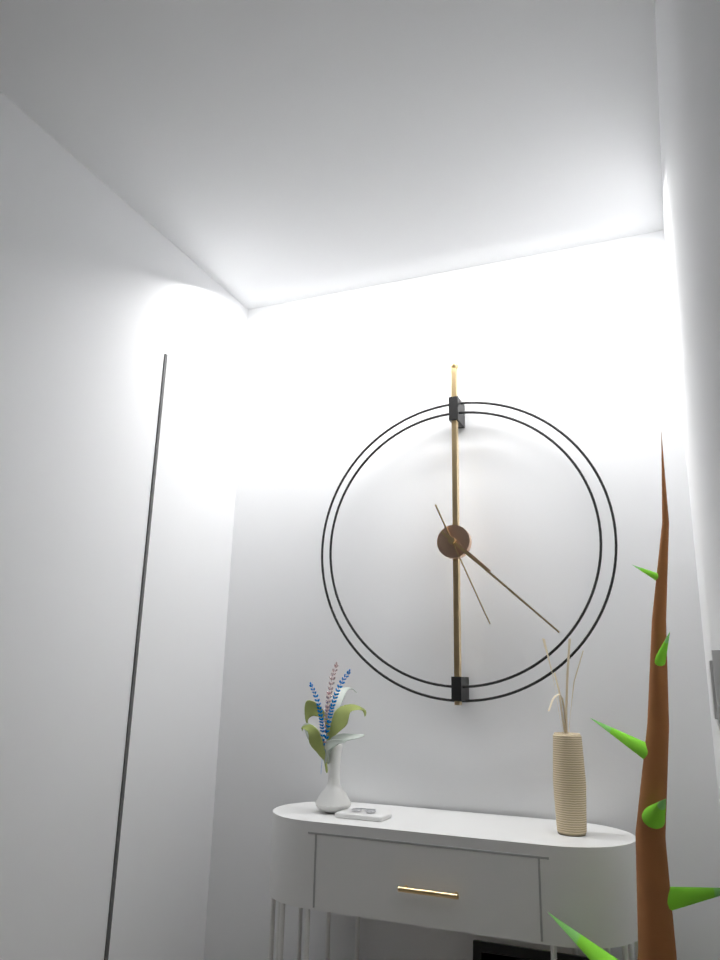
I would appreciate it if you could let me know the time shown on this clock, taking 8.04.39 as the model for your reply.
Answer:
4.22.26
